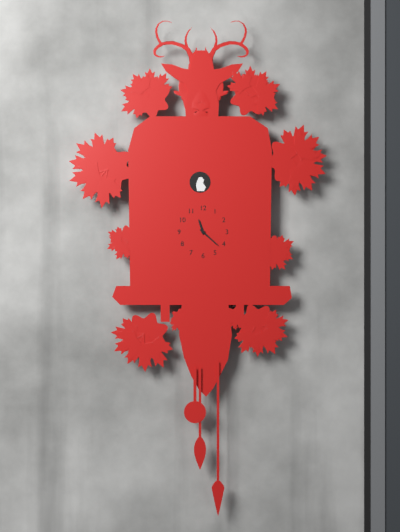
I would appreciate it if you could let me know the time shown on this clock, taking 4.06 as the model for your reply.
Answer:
11.22
